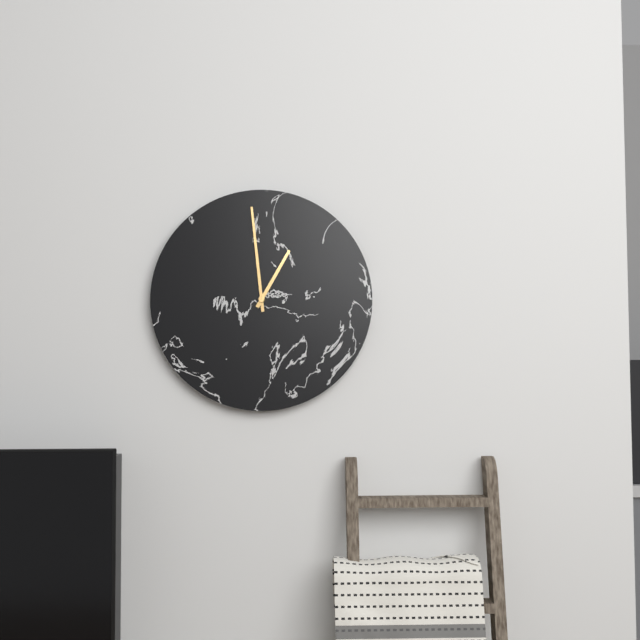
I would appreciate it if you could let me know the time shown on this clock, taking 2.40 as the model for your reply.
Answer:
12.59
